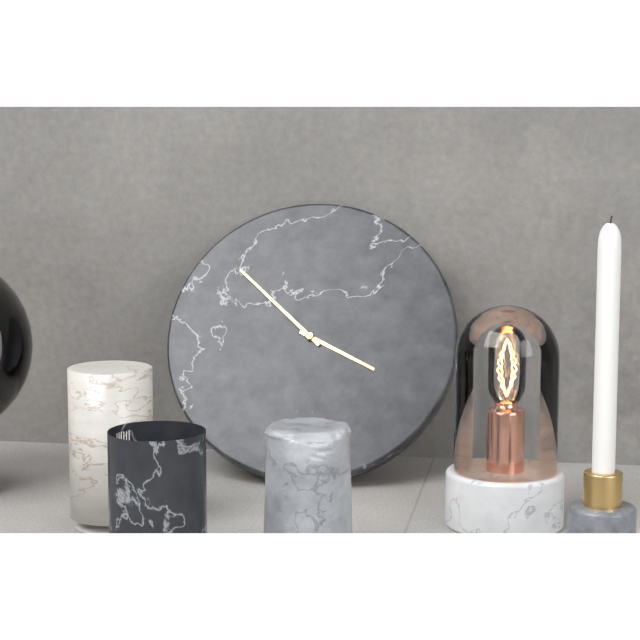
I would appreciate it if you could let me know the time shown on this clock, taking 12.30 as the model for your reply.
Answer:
3.52
